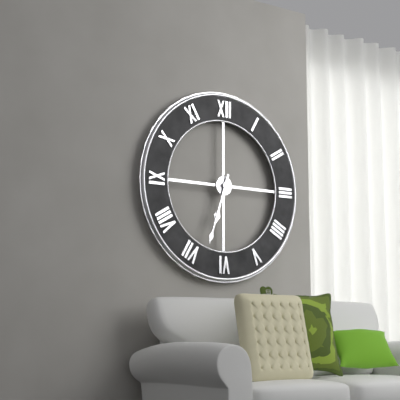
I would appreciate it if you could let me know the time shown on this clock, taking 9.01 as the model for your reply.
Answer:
6.33
